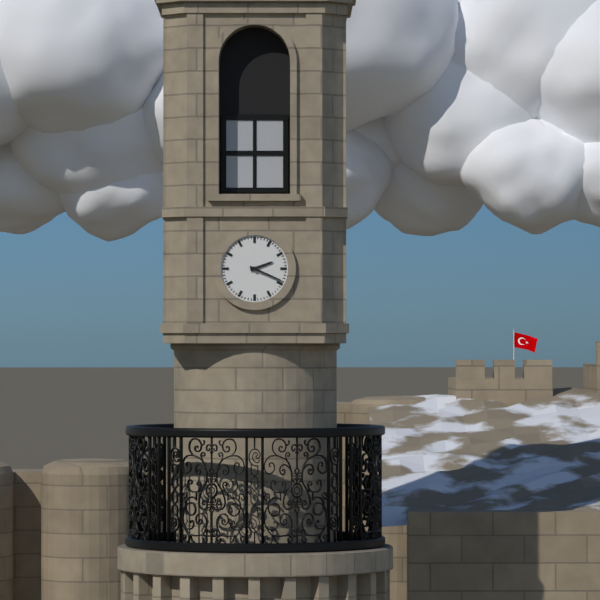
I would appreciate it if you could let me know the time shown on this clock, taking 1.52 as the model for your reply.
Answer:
2.19
